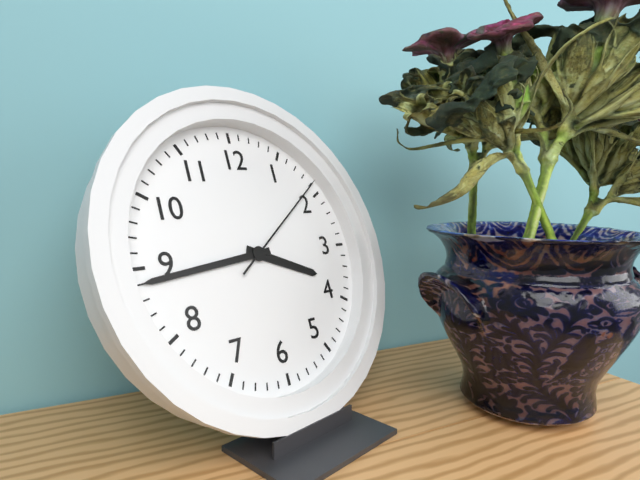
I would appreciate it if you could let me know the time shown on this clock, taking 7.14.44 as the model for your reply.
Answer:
3.44.09
